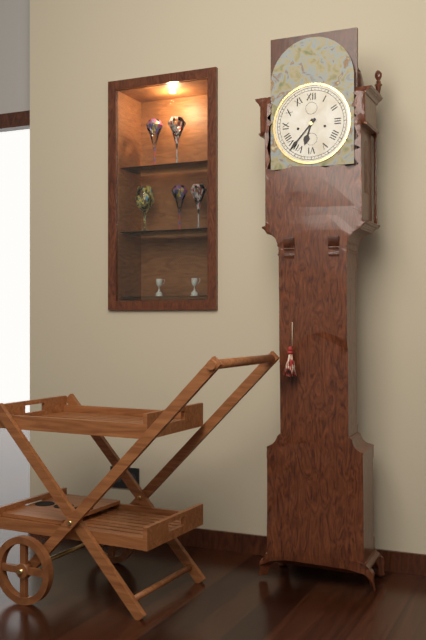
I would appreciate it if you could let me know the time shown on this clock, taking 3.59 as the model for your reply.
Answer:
6.37
